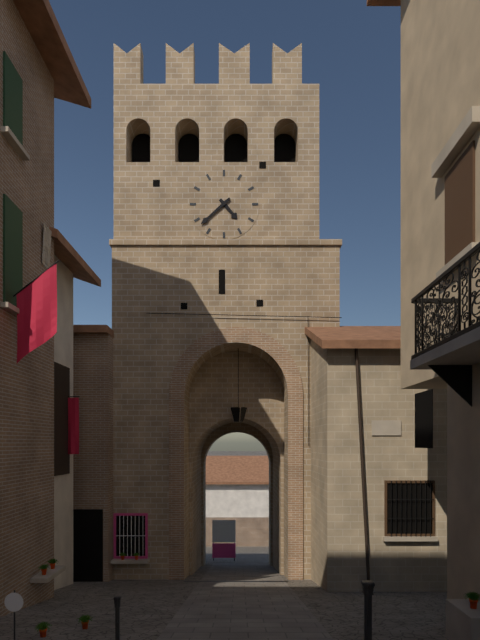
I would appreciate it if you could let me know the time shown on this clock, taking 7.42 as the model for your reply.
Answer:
4.38
